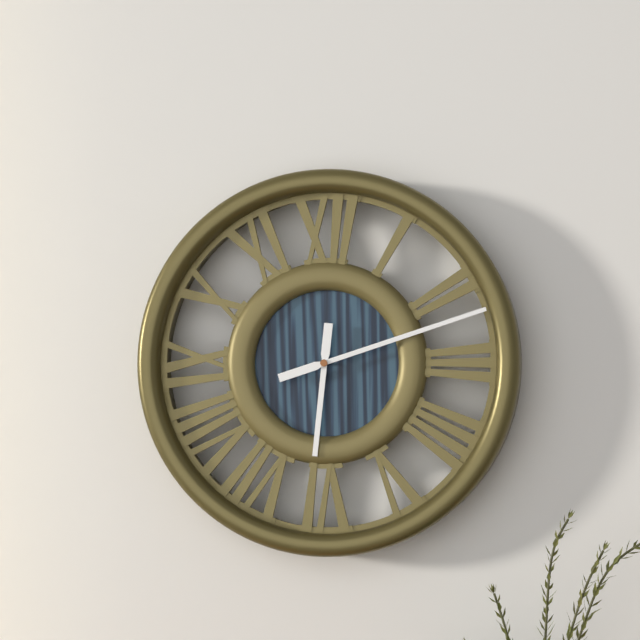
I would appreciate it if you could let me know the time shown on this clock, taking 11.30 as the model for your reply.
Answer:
6.12
